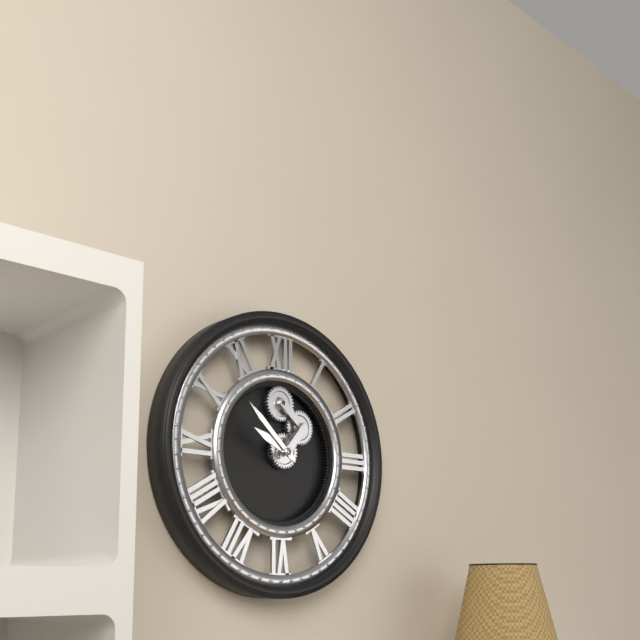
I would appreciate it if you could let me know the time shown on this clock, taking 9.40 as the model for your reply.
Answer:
9.52
